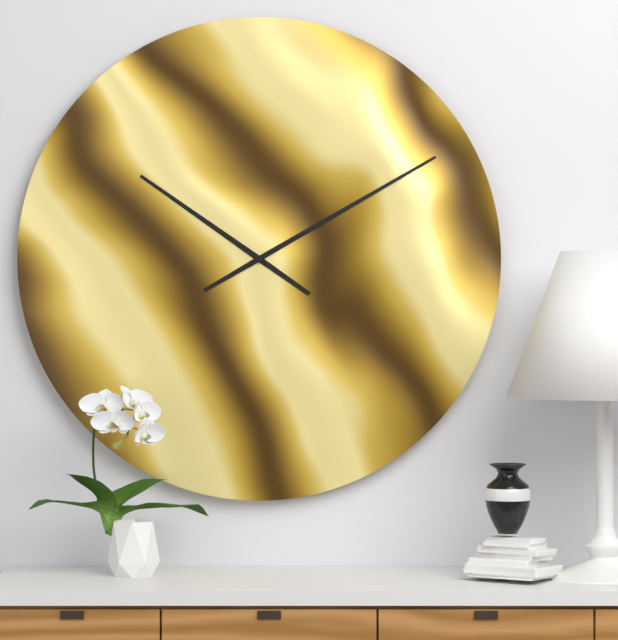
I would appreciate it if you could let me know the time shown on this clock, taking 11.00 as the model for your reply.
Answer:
10.10
